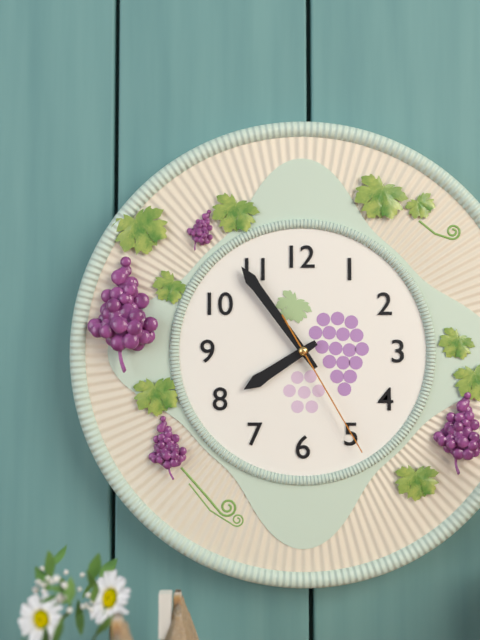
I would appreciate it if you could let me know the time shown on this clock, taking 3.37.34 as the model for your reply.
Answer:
7.54.25
